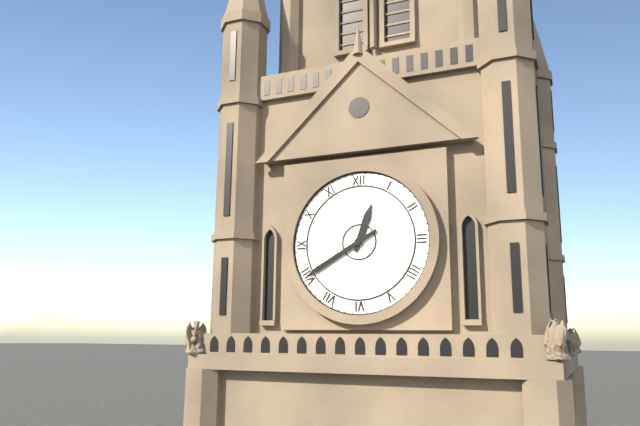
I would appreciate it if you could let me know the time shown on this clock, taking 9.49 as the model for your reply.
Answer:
12.40
